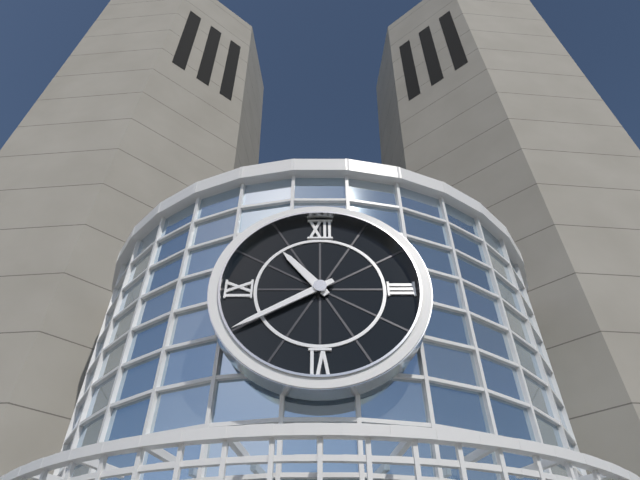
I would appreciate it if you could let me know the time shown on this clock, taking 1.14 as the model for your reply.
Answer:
10.40
